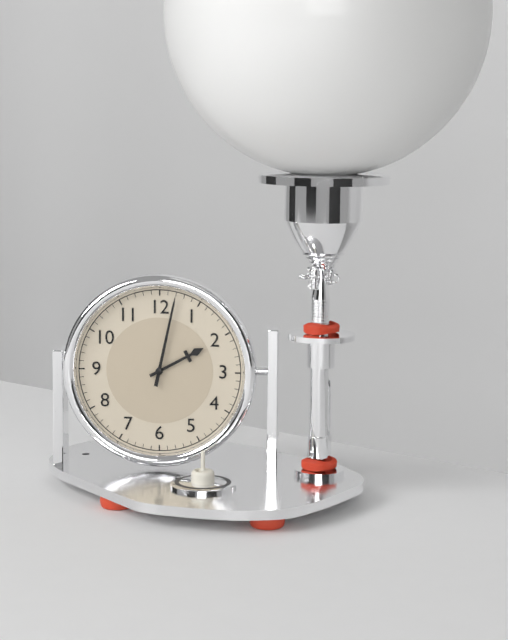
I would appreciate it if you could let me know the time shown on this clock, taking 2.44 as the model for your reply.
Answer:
2.02
